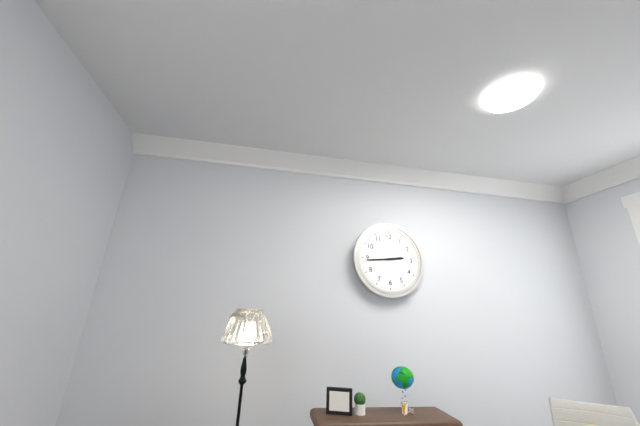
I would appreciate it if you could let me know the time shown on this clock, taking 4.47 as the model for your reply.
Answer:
2.44
